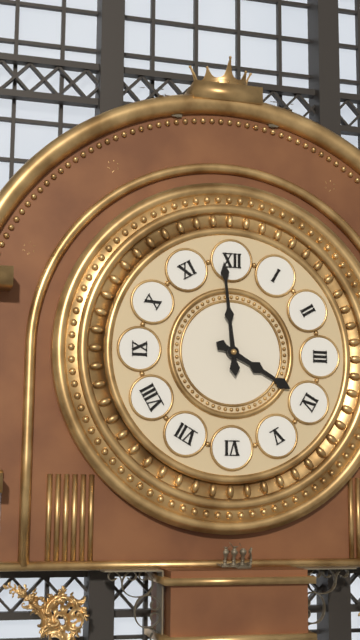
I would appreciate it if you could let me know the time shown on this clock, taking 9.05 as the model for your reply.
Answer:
3.59
